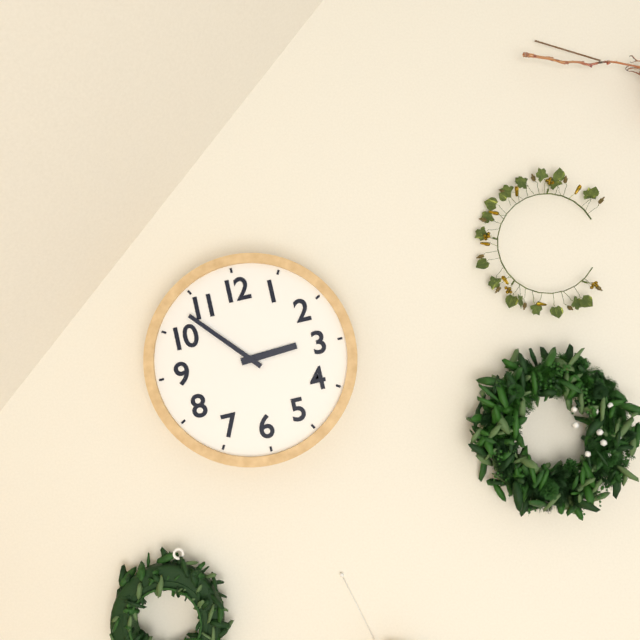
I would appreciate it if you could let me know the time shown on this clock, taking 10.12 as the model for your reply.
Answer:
2.53
